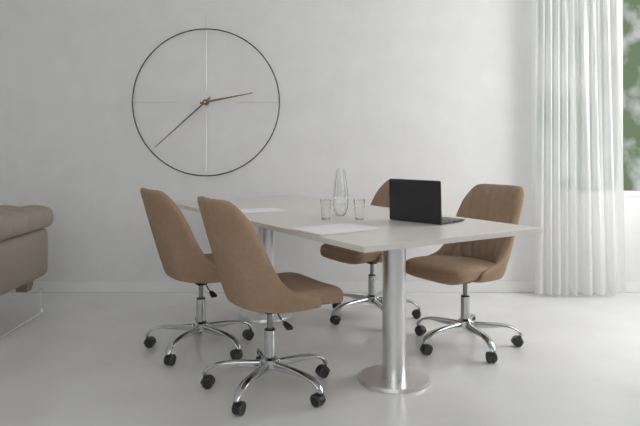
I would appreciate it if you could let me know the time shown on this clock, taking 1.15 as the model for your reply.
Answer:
2.38
